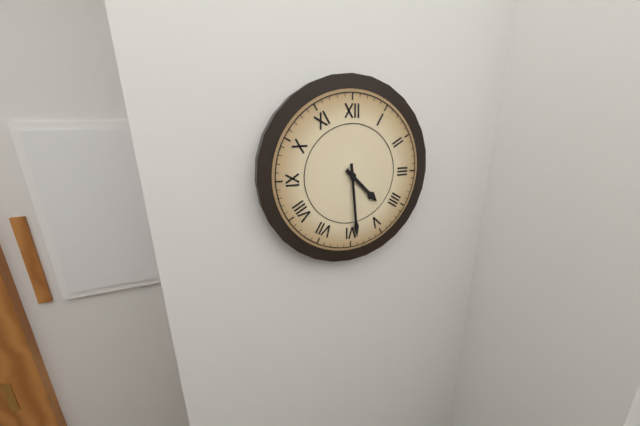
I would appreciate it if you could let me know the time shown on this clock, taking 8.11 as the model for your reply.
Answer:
4.29
